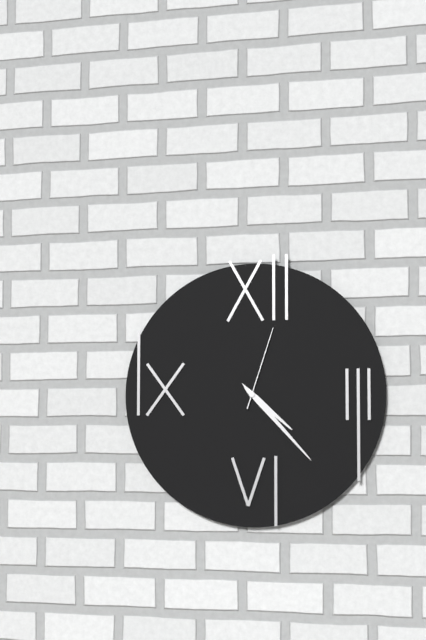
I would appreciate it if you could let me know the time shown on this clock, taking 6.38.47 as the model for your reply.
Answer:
4.23.03
